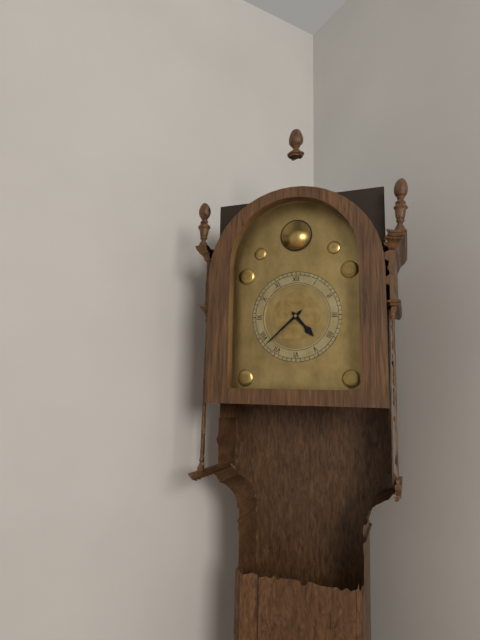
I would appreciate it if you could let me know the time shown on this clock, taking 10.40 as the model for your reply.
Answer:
4.38
